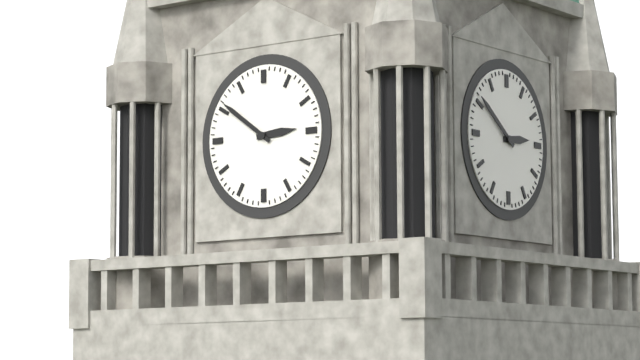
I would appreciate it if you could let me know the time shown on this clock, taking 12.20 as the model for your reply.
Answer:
2.51
